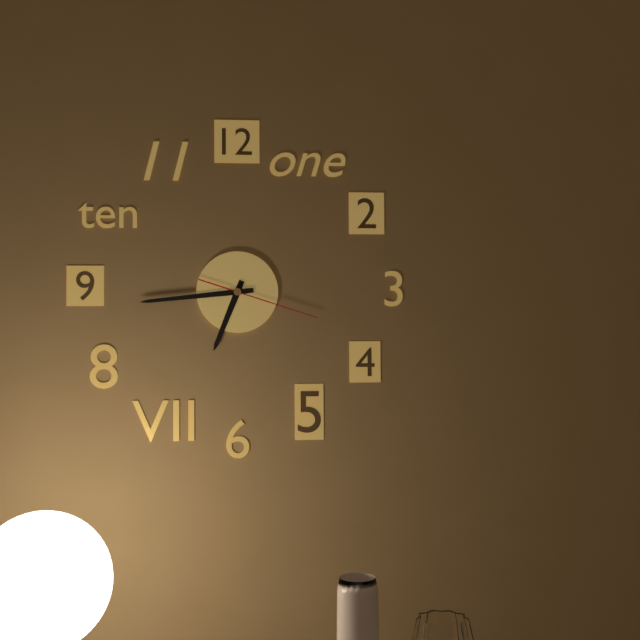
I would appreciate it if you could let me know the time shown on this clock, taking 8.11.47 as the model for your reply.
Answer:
6.44.18
